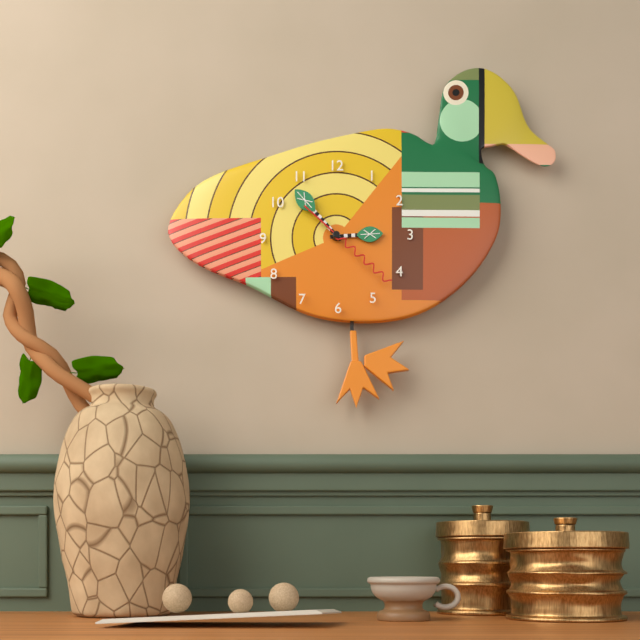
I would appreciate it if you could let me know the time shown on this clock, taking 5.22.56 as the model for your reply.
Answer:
2.53.22
